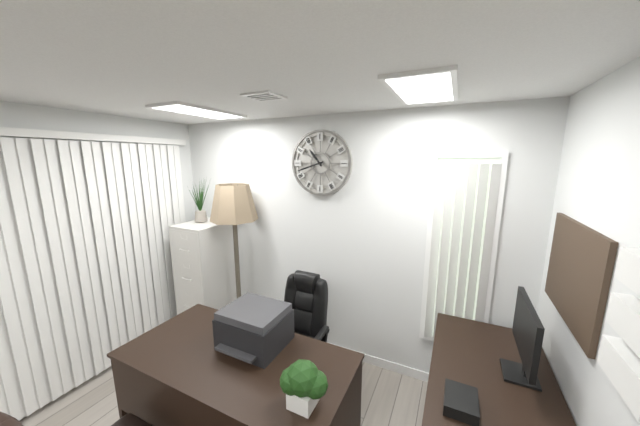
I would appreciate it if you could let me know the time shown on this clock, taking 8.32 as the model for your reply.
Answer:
10.42
